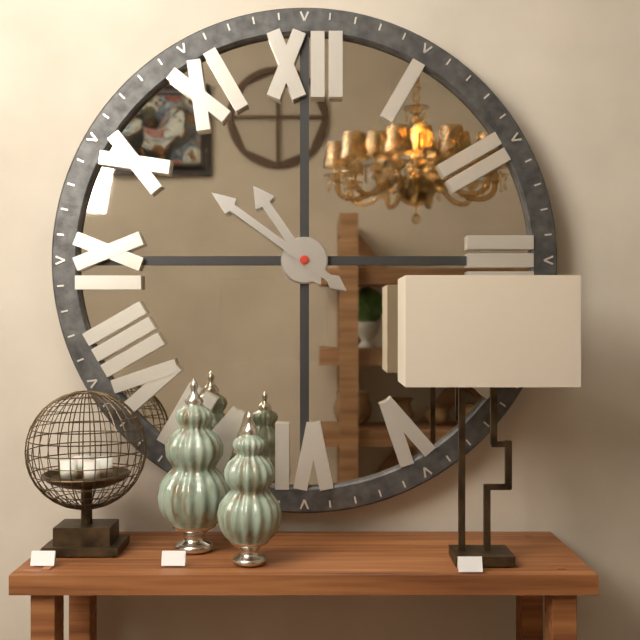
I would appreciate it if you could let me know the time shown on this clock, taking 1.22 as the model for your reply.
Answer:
10.51
